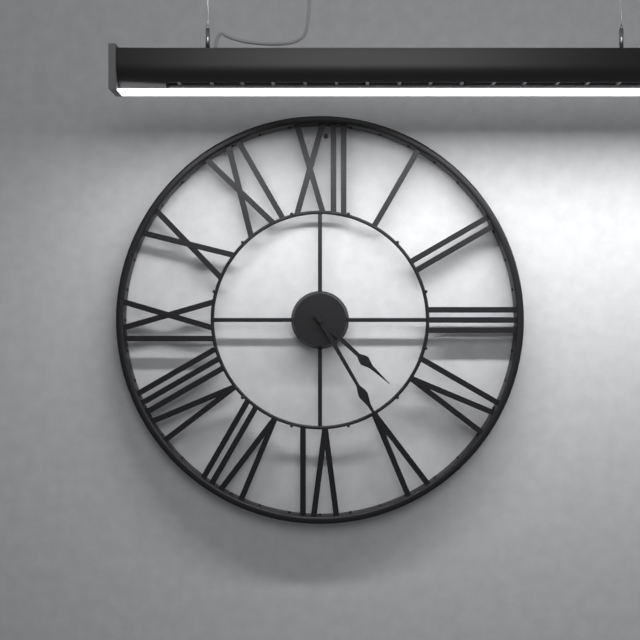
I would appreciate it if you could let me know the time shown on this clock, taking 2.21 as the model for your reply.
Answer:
4.25
